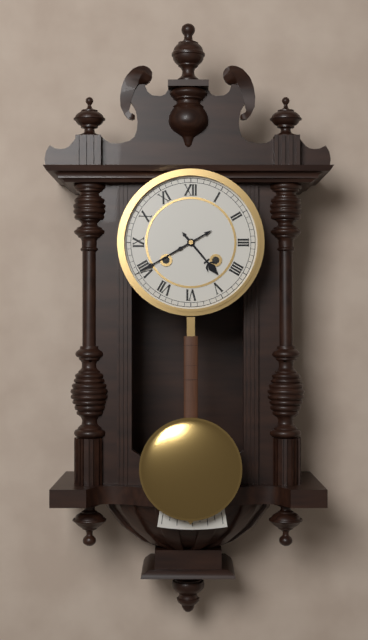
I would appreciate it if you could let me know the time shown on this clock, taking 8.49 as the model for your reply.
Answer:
4.40
